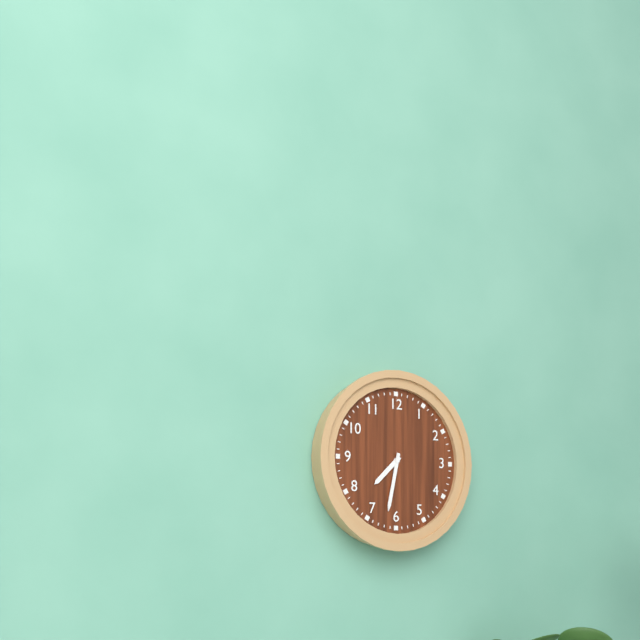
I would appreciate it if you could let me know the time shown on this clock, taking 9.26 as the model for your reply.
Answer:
7.32
